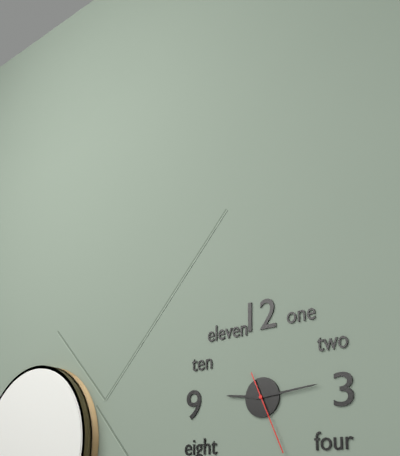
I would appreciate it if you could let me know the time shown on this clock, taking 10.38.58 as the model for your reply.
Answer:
9.14.26
